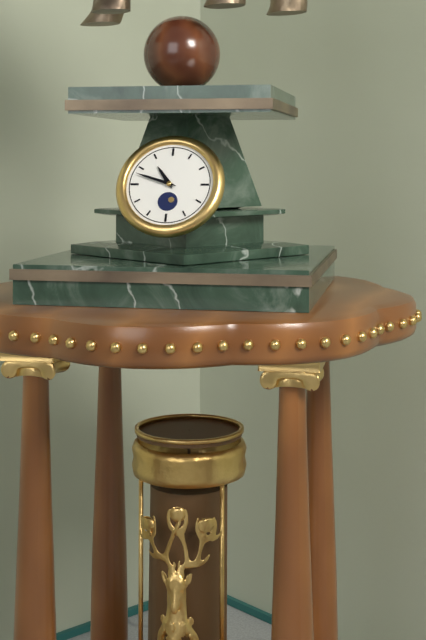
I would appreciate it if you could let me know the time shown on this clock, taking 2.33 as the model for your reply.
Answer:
10.48
